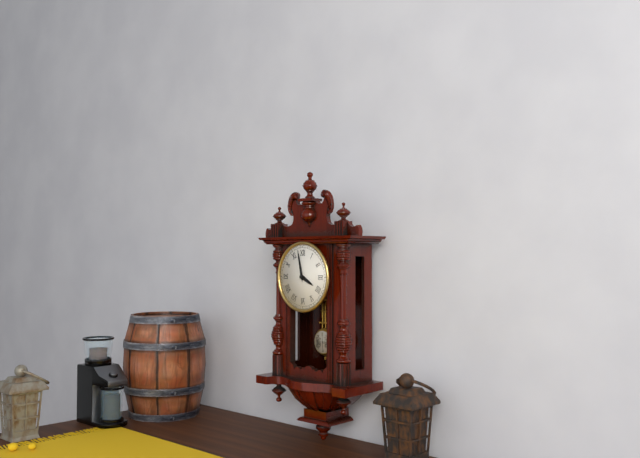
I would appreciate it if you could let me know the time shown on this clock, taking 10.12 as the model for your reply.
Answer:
3.58
